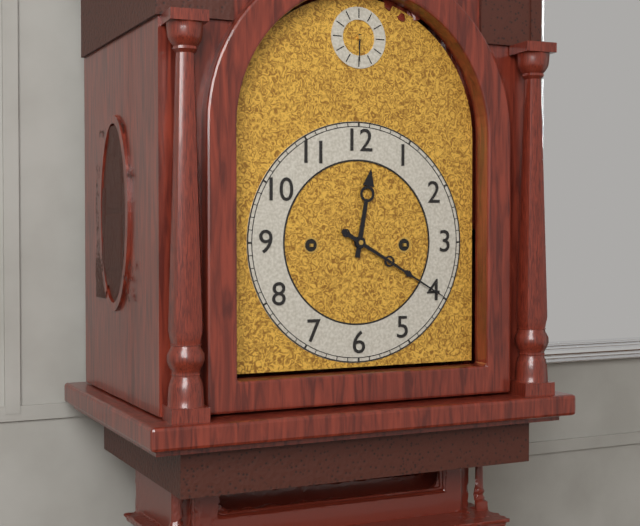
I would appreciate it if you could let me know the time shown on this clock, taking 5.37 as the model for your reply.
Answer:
12.20
